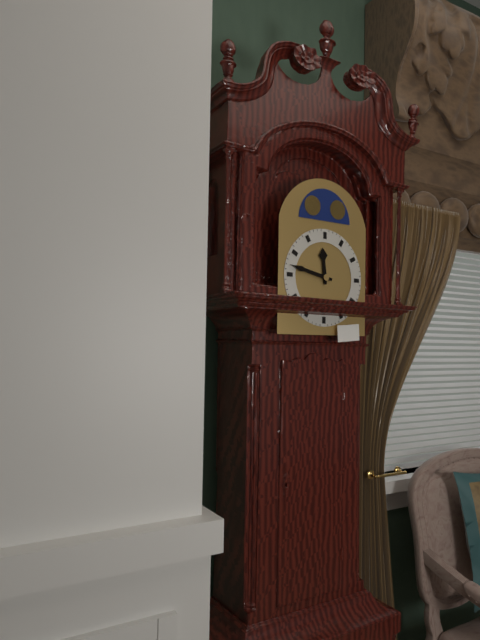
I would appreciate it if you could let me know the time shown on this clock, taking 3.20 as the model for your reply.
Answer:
11.47
